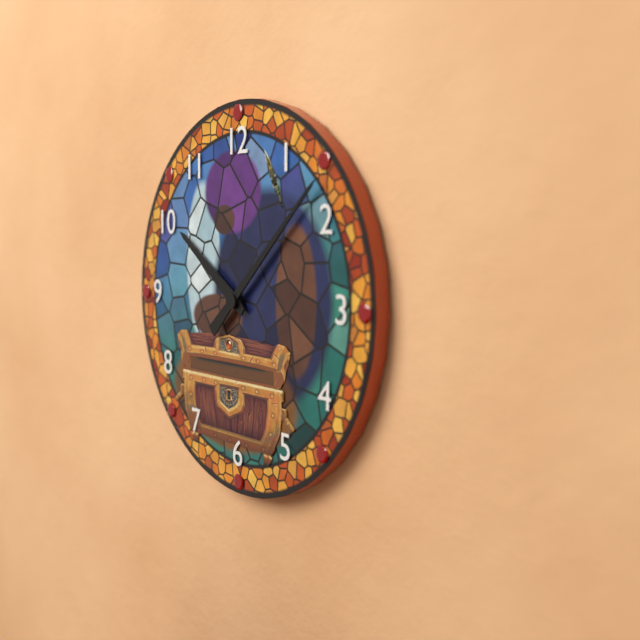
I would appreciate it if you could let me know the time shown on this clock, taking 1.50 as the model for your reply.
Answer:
10.08
